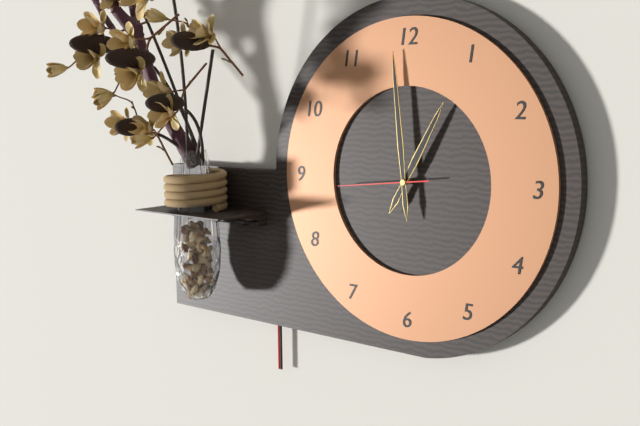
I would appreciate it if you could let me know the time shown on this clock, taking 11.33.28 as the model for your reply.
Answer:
12.59.44
